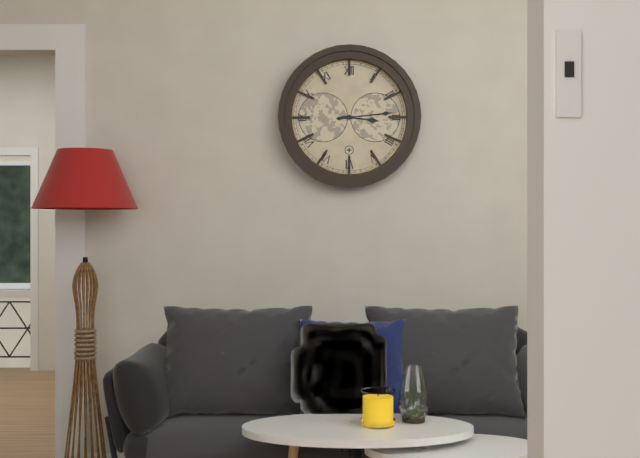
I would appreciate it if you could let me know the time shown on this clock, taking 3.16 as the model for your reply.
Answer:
3.14
